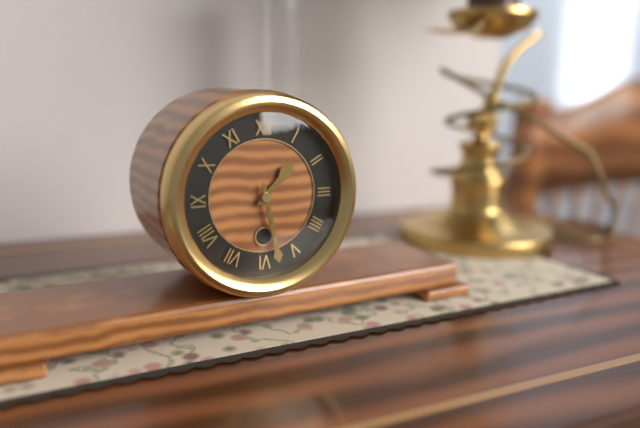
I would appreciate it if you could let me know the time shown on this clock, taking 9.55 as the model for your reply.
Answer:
1.28
